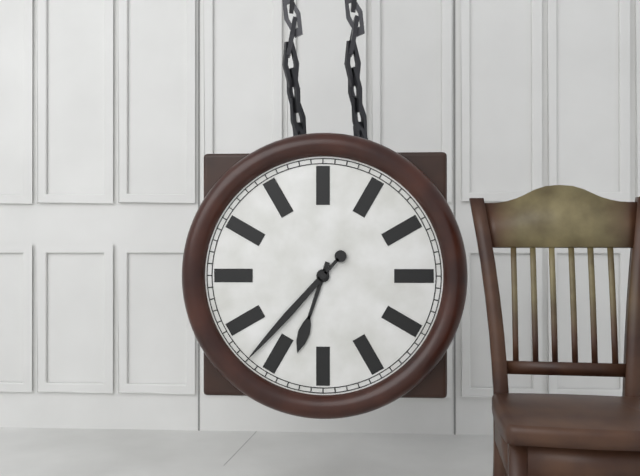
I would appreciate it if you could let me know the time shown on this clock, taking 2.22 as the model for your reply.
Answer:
6.37
